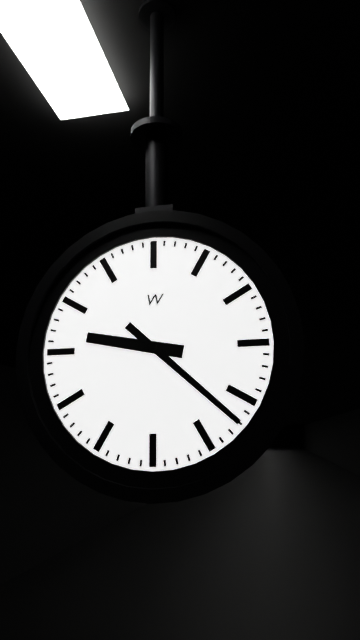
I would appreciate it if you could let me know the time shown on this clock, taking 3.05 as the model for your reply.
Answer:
9.22
